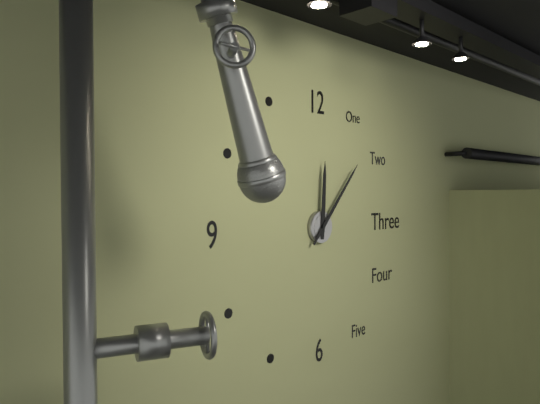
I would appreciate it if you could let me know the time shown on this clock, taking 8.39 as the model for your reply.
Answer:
12.07
